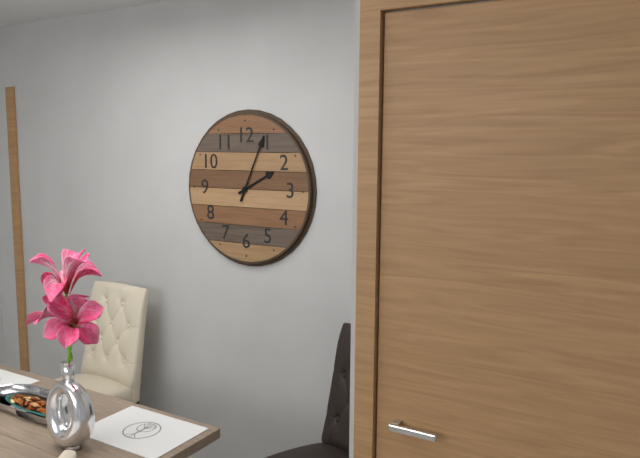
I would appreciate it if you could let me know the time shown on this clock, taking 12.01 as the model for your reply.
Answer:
2.04
